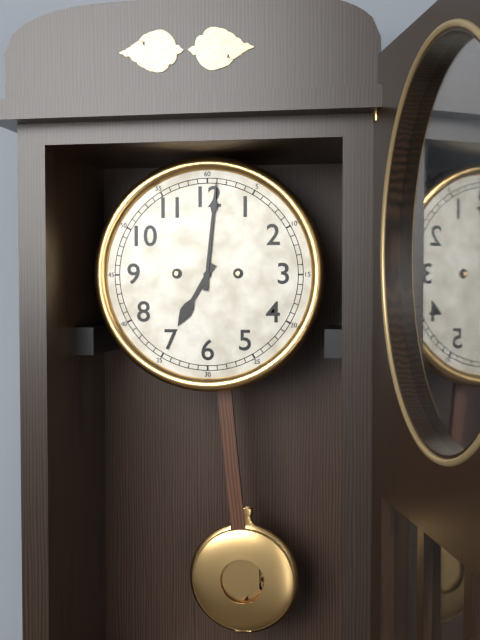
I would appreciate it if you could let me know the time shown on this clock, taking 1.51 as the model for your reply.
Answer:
7.01
